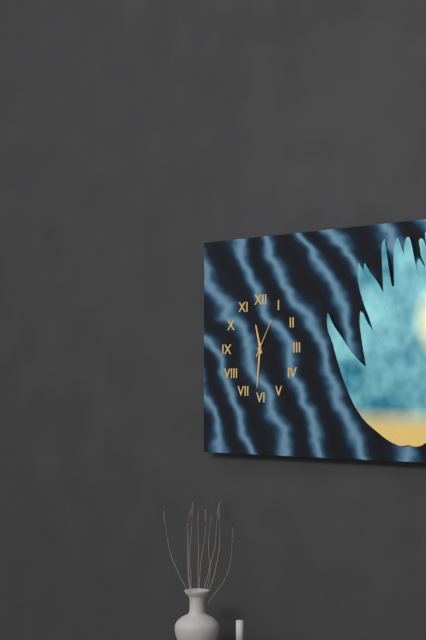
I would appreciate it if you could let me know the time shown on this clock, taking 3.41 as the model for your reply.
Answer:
11.31
